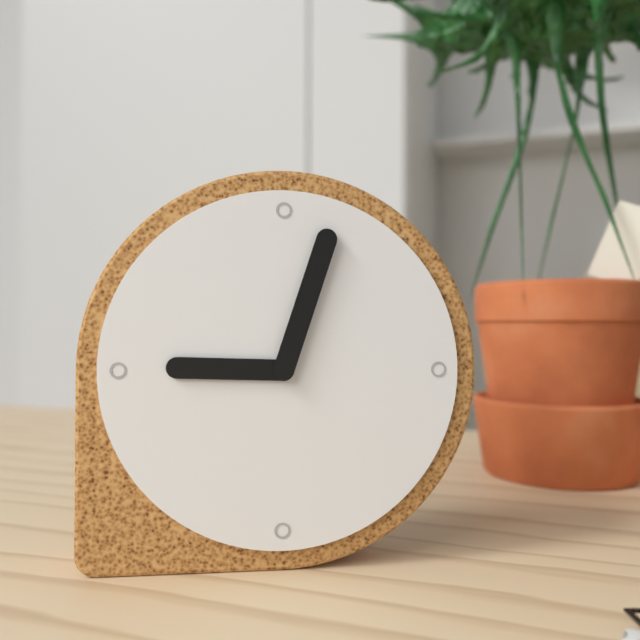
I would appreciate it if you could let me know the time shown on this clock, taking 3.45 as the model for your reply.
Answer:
9.03
